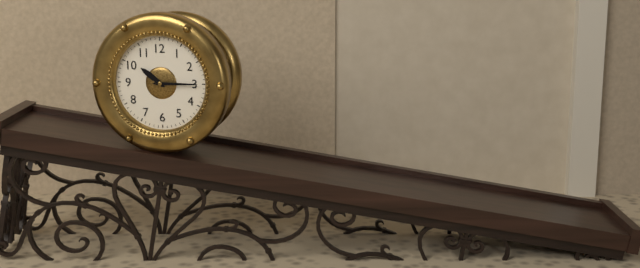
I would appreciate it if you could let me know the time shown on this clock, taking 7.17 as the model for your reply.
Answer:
10.15
